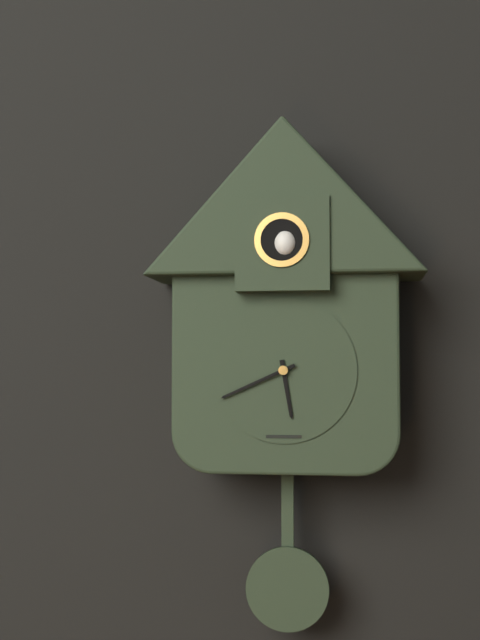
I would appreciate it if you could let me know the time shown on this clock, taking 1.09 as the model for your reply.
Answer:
5.41
